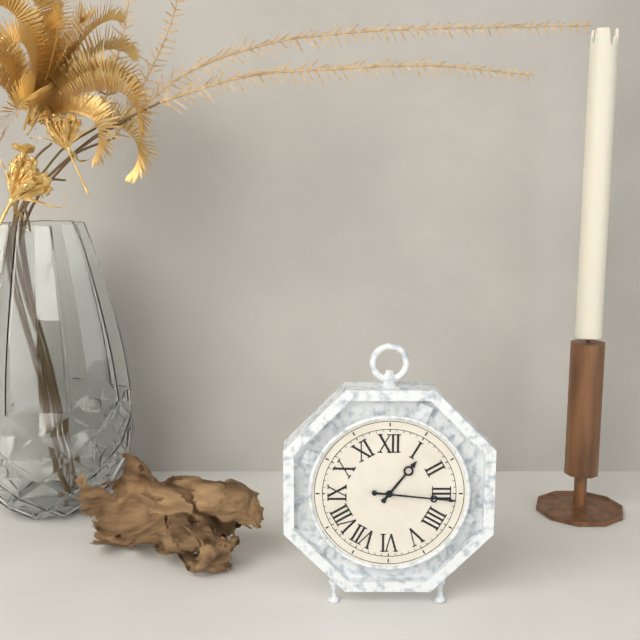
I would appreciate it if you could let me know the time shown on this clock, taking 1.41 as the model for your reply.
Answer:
1.16
